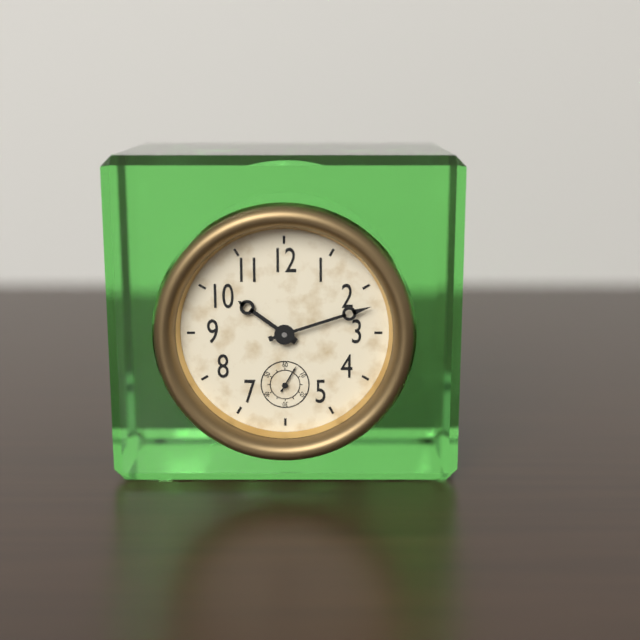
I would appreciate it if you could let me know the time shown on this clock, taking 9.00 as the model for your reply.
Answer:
10.12
